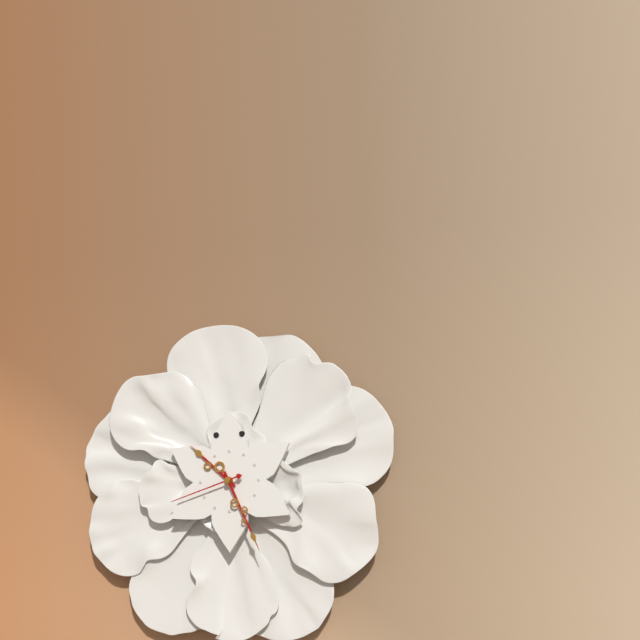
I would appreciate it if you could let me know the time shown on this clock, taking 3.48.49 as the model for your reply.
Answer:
10.26.42
